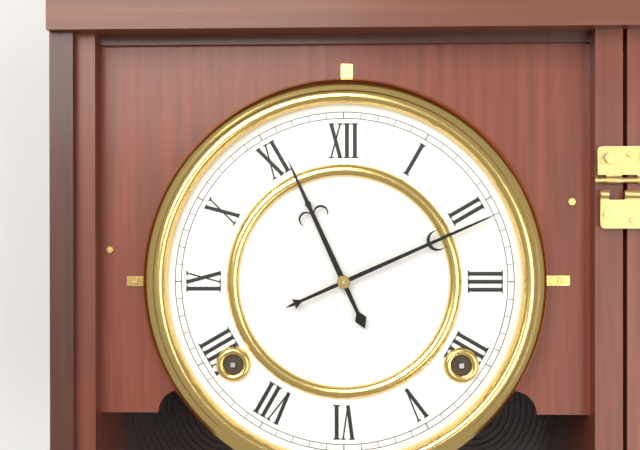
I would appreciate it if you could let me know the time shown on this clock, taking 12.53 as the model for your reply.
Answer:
11.11
